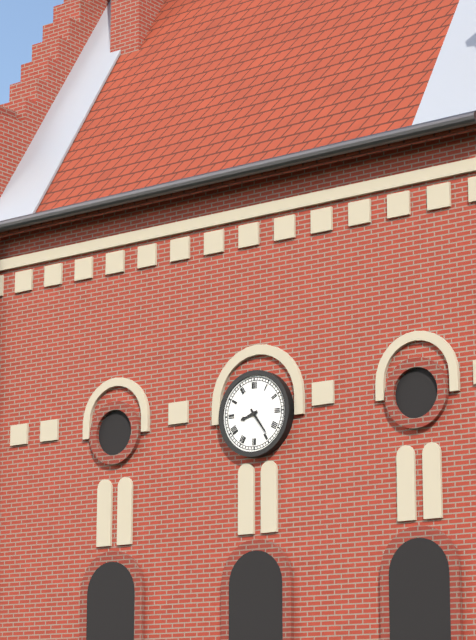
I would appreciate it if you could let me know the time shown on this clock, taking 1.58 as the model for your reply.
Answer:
8.24
